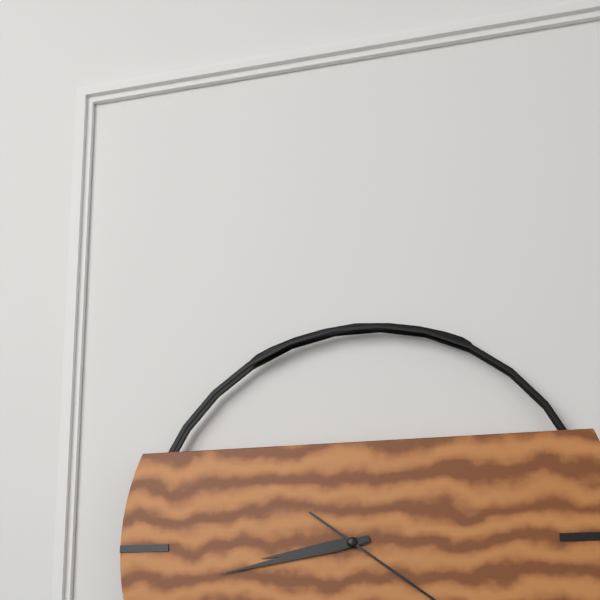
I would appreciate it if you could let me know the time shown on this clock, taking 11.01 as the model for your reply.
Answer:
8.43
